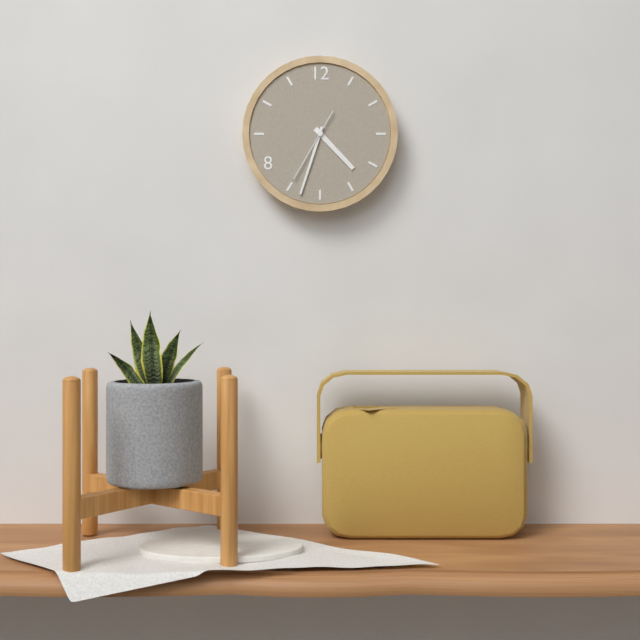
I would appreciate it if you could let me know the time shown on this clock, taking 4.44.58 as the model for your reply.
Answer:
4.33.35
